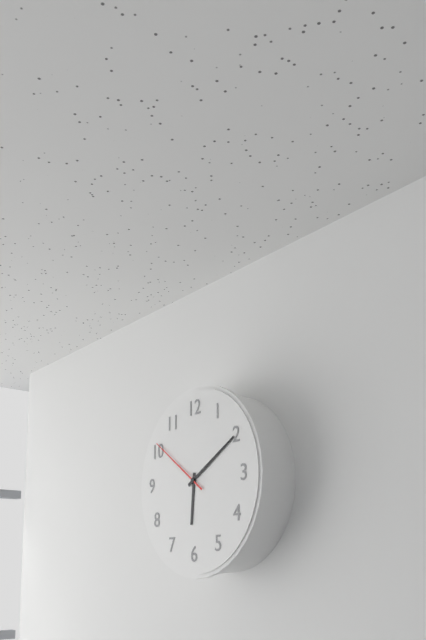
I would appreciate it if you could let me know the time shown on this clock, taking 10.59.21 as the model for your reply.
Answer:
6.10.51
